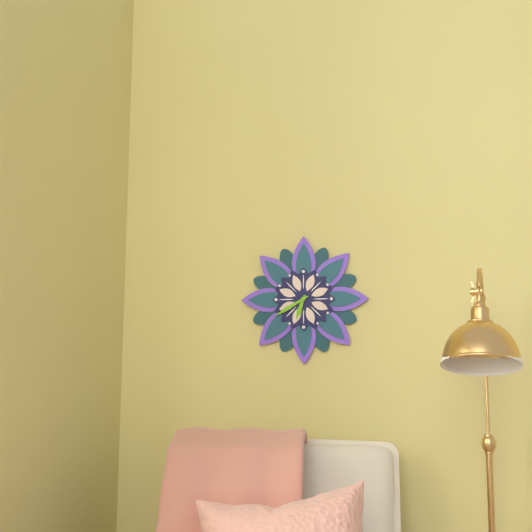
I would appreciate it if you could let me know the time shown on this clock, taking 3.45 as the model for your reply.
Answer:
6.40
